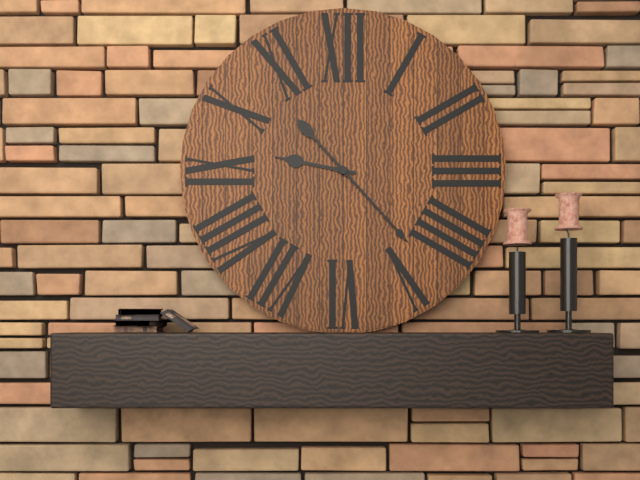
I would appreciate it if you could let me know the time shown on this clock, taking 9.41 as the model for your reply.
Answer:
9.23
